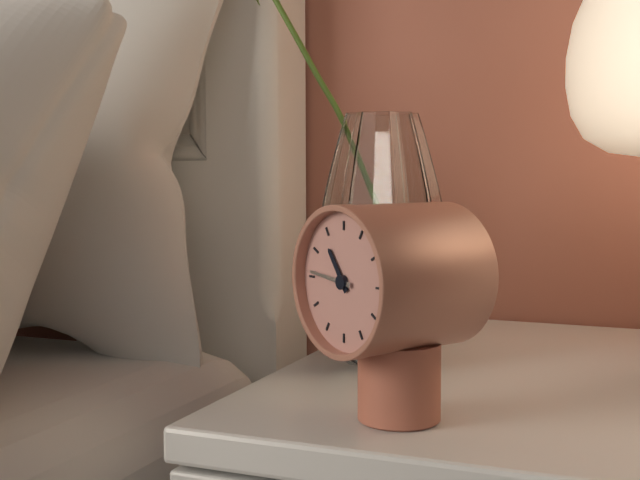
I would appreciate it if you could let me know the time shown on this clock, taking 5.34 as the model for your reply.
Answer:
10.46
